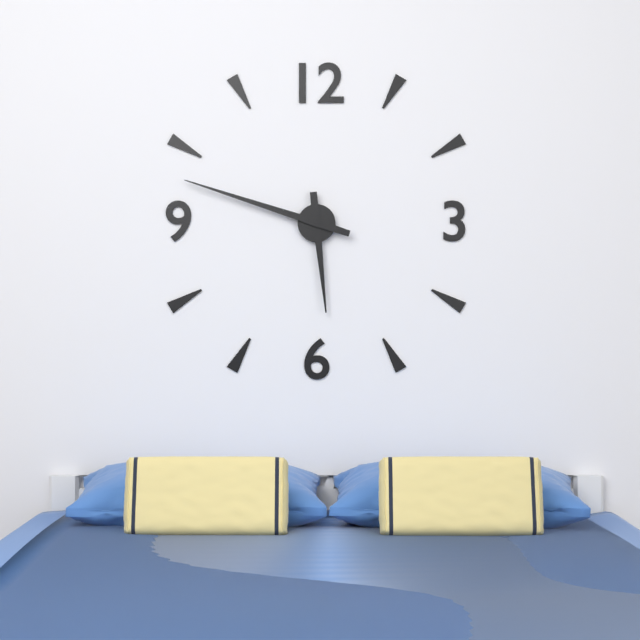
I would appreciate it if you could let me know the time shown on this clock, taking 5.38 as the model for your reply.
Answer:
5.48
